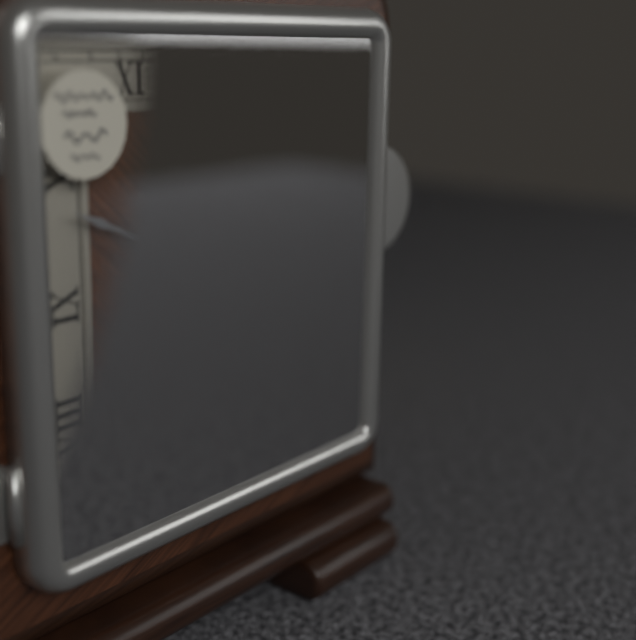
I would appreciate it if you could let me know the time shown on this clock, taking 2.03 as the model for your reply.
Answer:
7.49
